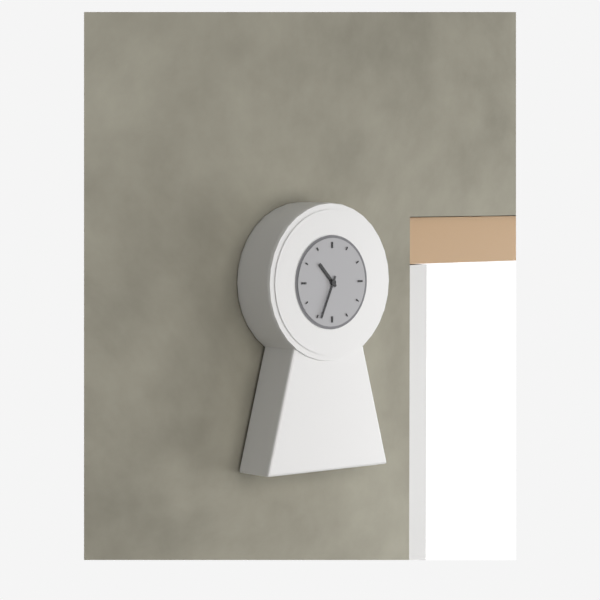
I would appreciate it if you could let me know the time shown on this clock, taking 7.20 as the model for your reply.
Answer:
10.34
